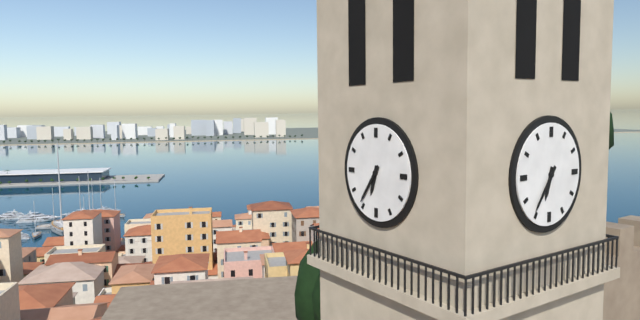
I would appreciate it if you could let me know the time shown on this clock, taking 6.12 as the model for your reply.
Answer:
6.36
